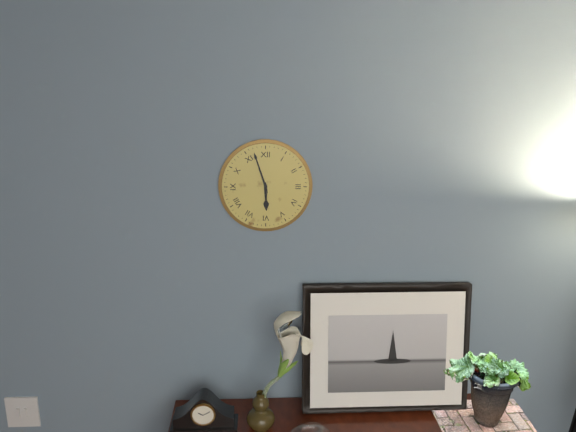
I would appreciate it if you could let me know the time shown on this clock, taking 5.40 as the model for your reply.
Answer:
5.57
